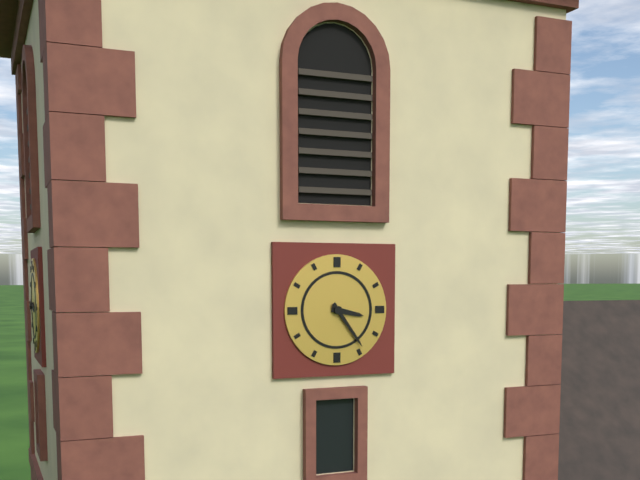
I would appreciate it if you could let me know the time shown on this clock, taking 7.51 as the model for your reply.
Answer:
3.24
